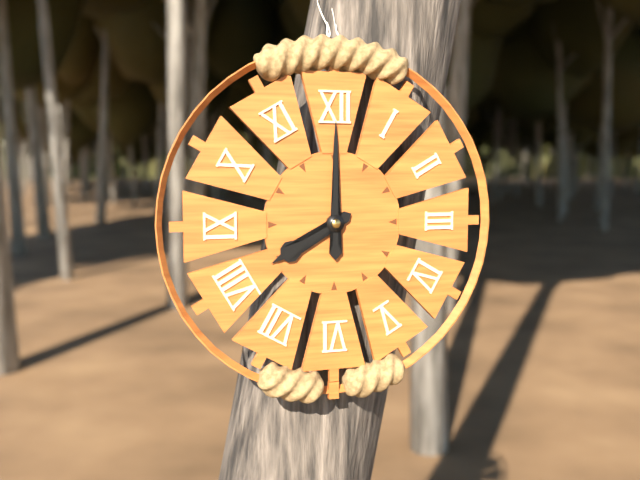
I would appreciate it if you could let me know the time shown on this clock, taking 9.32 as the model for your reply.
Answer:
8.00
